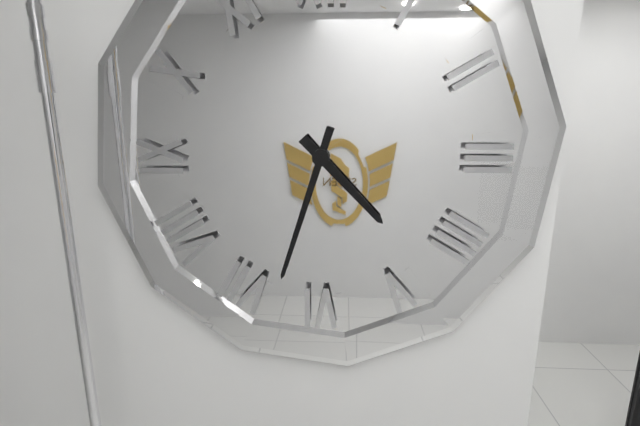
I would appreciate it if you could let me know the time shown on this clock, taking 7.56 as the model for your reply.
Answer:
4.33
